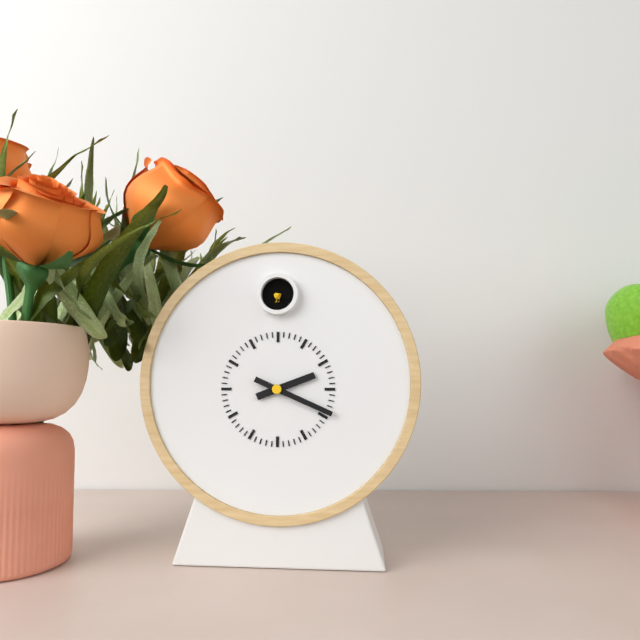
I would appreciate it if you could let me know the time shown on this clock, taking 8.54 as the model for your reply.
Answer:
2.19
